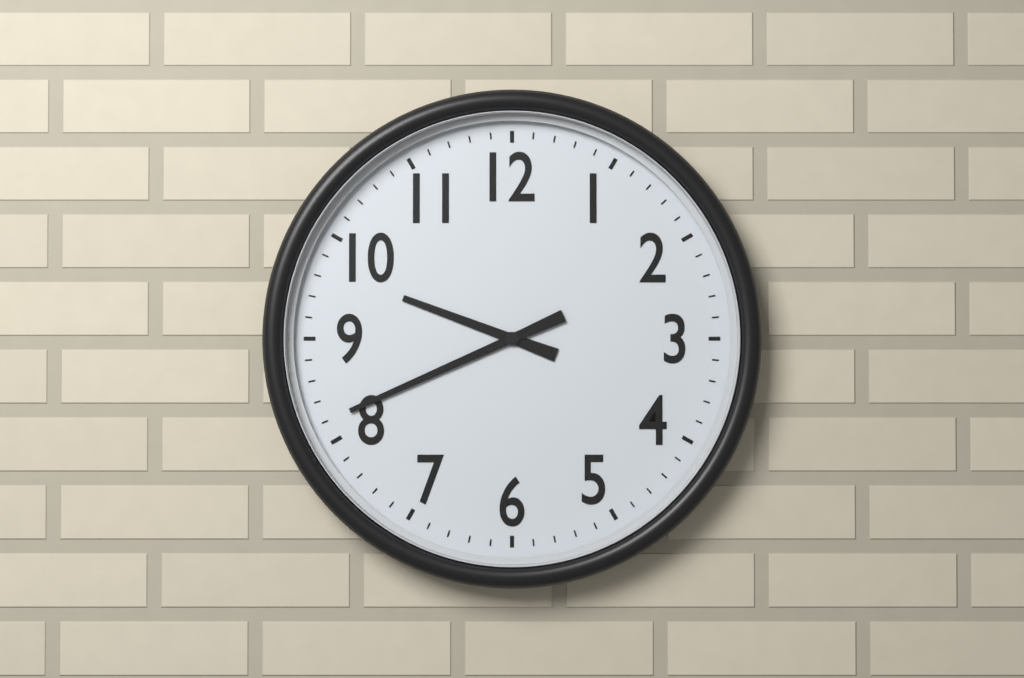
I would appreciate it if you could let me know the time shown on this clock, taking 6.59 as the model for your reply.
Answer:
9.41
